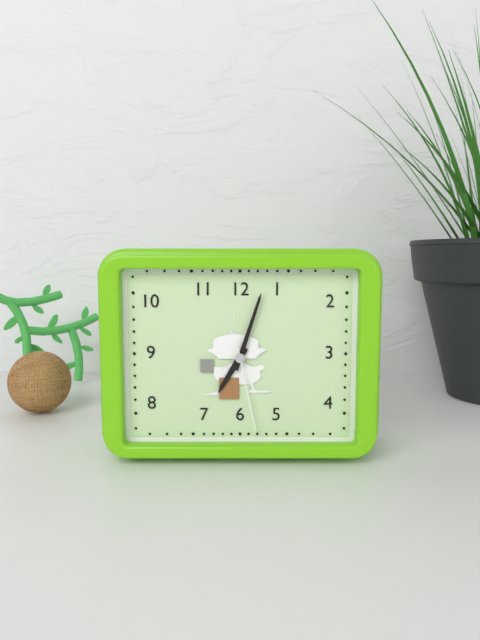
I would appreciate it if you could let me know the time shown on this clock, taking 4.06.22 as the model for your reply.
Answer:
7.03.28
